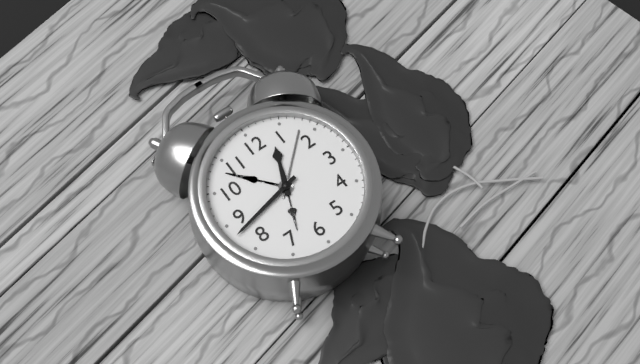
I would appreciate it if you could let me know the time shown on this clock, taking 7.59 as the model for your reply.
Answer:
12.43
